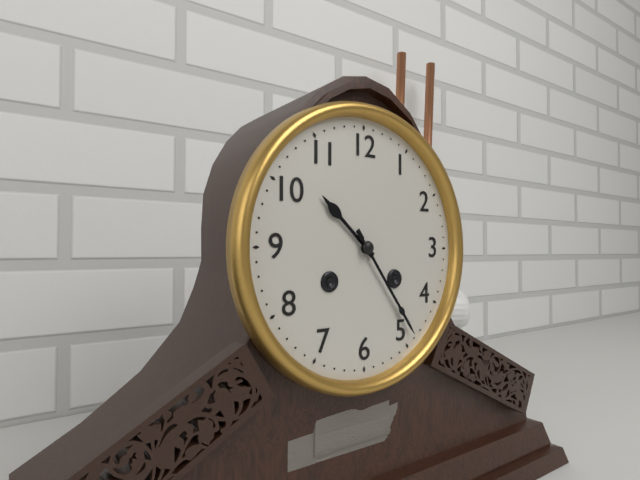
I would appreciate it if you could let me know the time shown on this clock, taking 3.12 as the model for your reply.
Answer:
10.24
